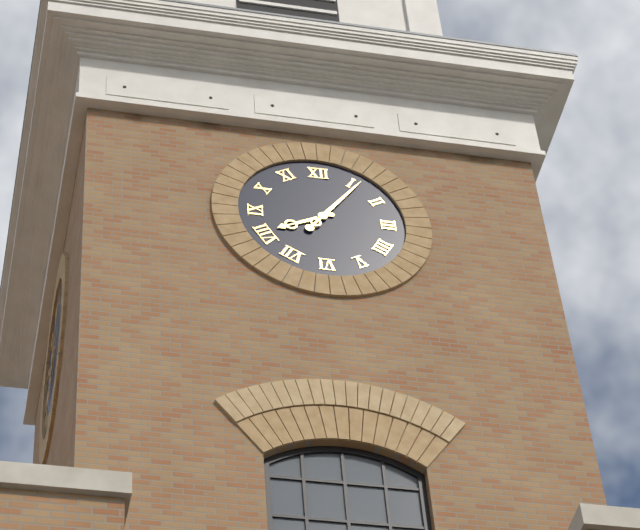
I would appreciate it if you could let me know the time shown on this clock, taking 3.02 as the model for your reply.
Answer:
8.06
